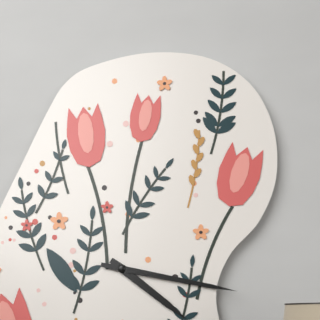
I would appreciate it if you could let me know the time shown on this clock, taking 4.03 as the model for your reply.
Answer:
4.17
